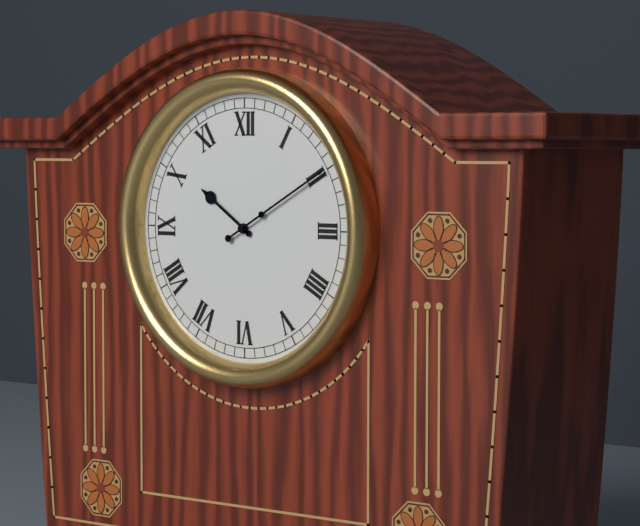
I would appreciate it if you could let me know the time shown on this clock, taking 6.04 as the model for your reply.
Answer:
10.10
